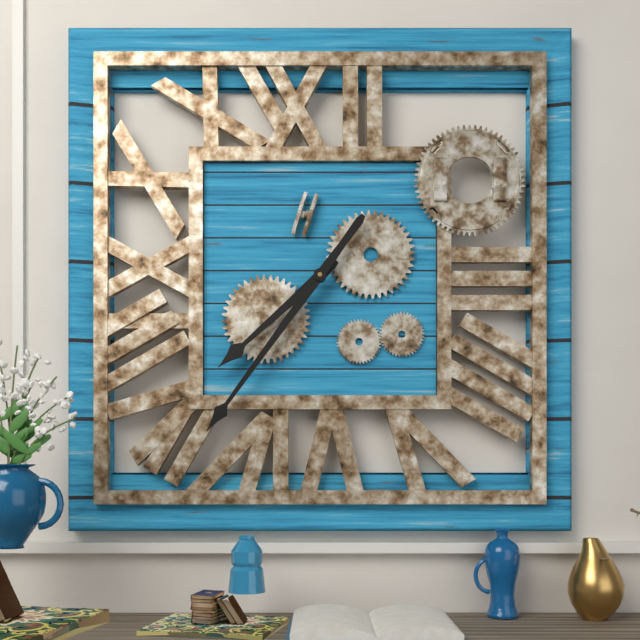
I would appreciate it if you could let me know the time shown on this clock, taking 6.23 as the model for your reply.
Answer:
7.36
